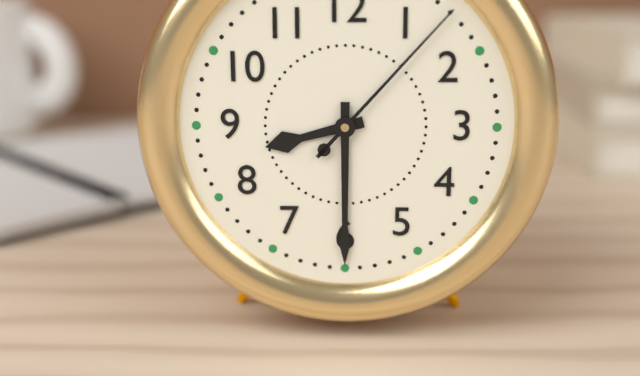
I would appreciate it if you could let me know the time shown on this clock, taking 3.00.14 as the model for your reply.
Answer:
8.30.07
